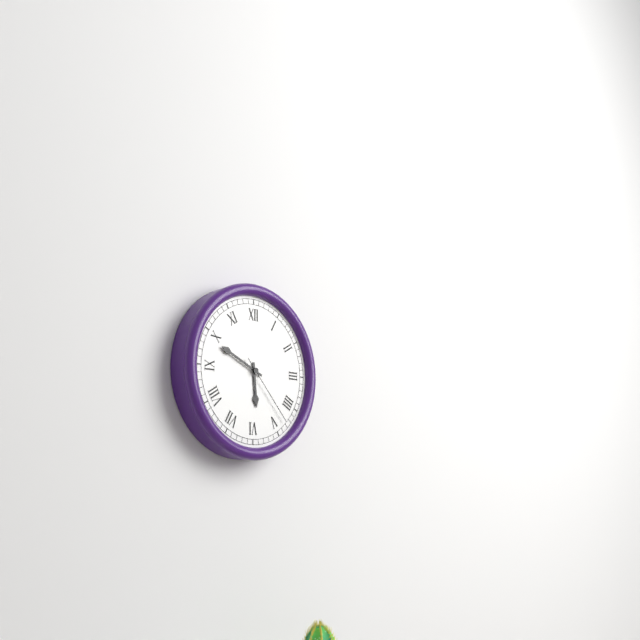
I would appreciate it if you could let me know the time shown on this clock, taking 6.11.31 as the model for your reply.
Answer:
5.49.23
